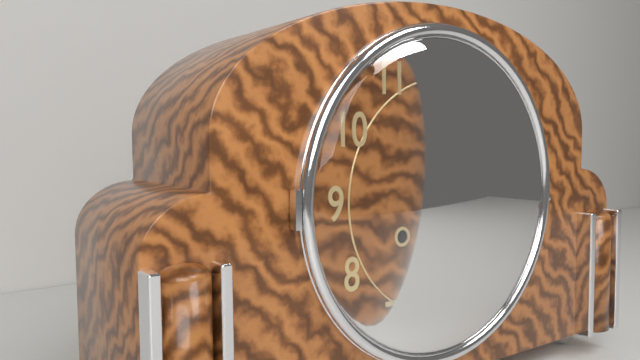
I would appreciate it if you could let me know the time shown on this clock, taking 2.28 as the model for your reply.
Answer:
6.23
